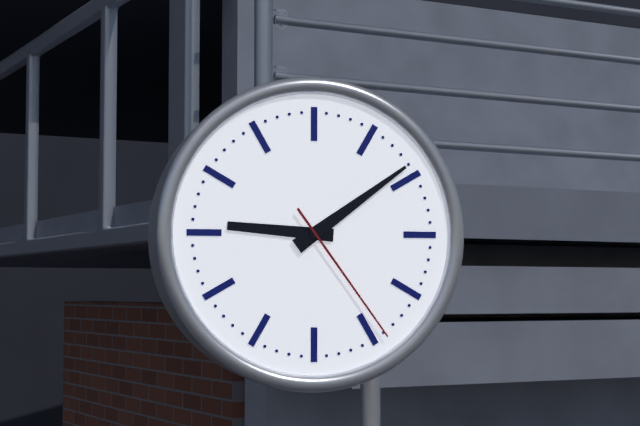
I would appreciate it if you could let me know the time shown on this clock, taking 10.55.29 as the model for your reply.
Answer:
9.09.24
